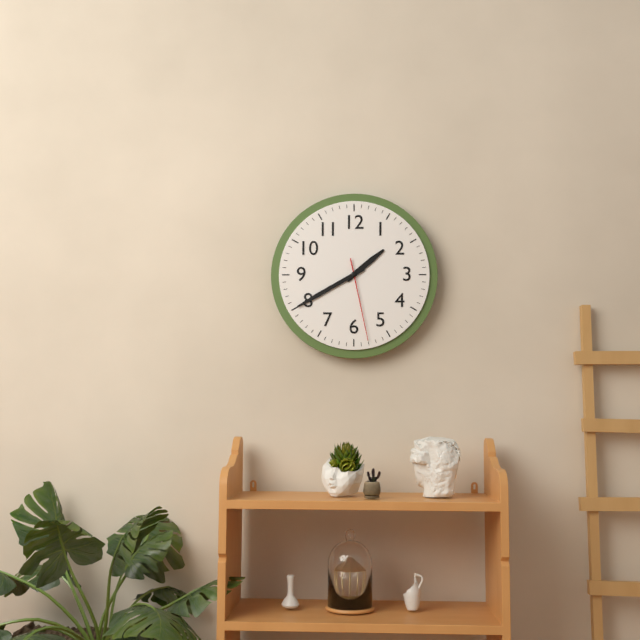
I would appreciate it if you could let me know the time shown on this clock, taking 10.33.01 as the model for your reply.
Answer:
1.40.28
